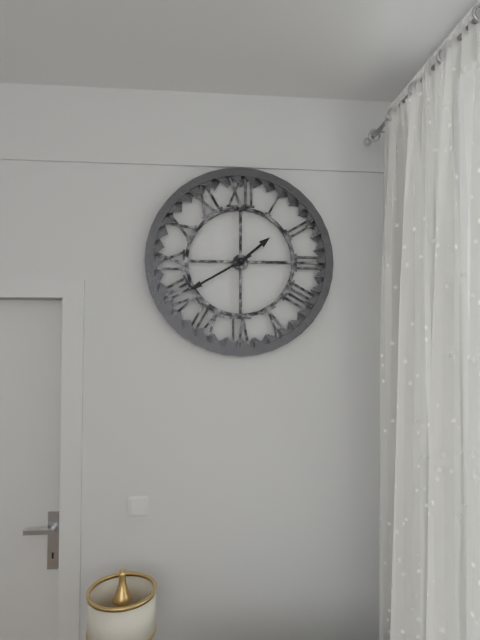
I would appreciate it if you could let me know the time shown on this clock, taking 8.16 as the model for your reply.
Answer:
1.40
